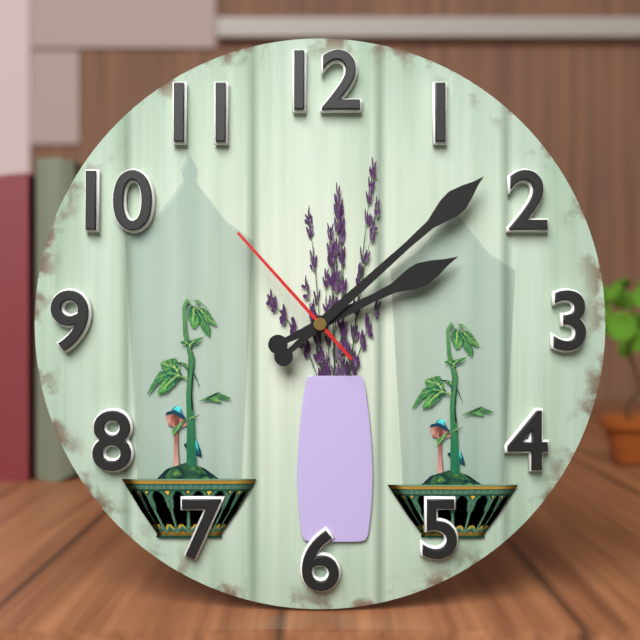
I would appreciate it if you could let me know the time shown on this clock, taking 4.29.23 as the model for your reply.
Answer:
2.08.53
